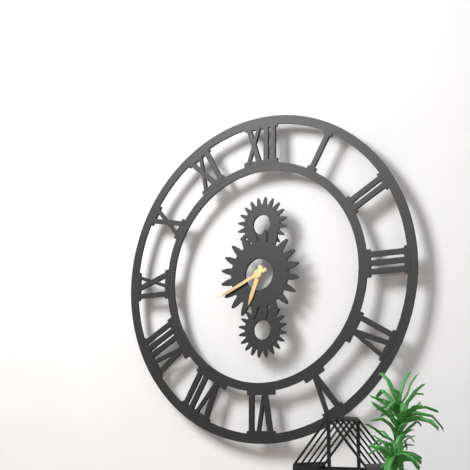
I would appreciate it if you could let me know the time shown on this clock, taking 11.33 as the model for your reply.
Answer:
6.41
